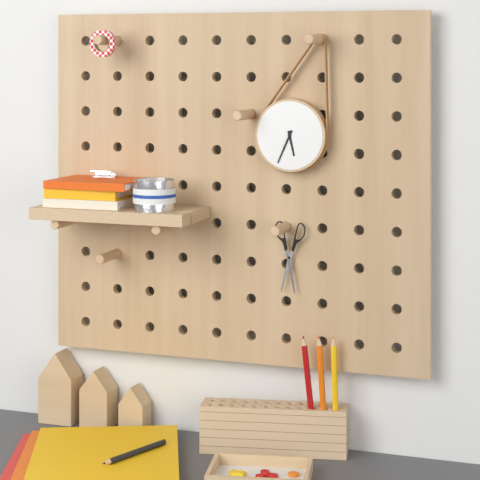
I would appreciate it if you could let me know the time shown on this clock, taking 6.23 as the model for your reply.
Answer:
5.34
